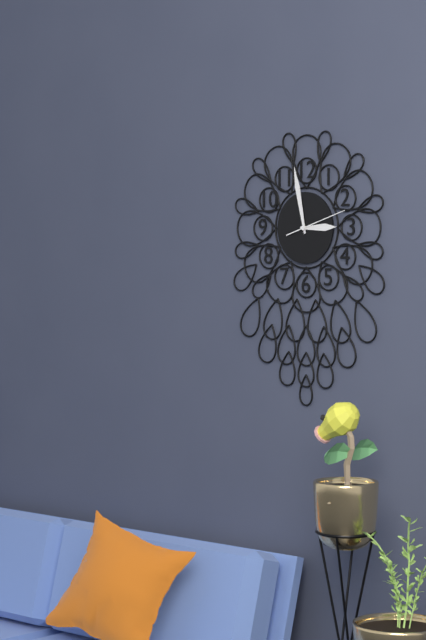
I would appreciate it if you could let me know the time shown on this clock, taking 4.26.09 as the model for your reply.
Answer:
2.58.12
